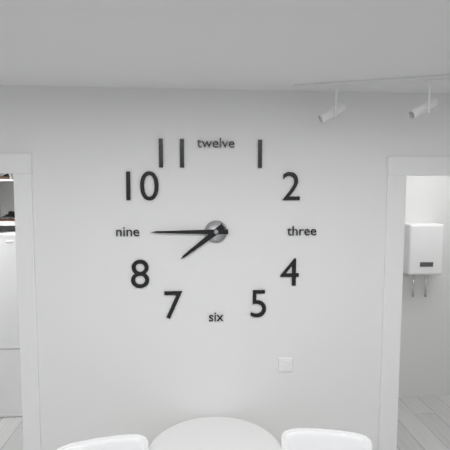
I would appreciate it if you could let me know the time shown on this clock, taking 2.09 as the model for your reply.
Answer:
7.45
